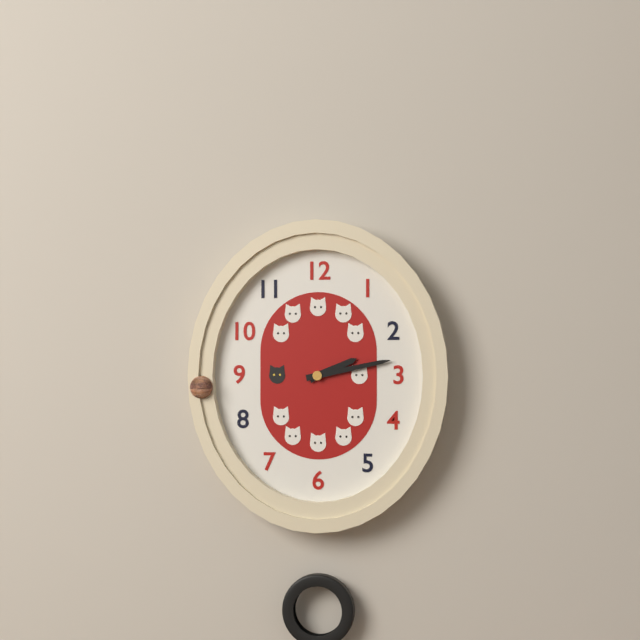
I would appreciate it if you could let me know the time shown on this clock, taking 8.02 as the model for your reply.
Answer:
2.13
